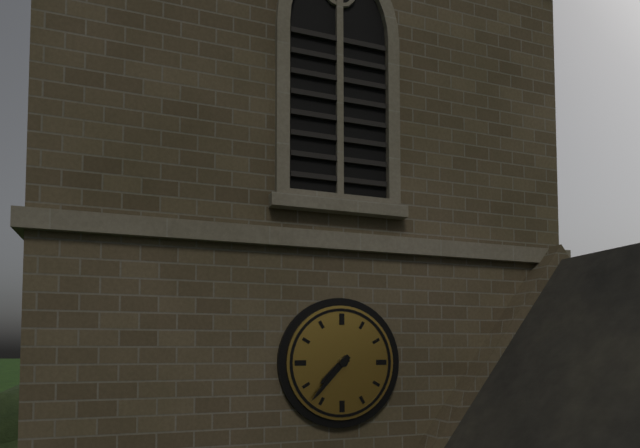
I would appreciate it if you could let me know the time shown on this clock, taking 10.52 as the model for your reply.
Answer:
7.37
